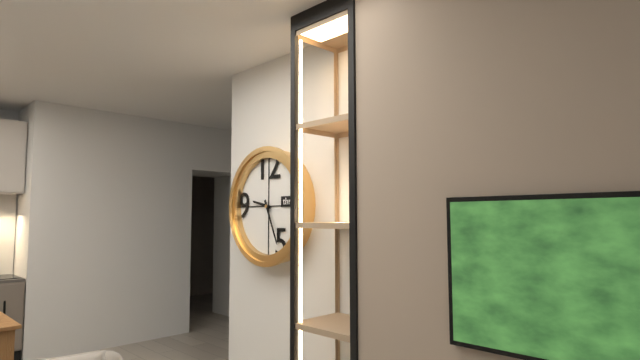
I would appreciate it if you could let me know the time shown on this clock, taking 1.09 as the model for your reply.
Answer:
9.26
